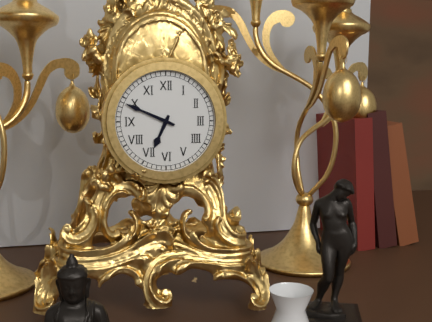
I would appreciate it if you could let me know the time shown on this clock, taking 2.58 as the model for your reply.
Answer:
6.49
